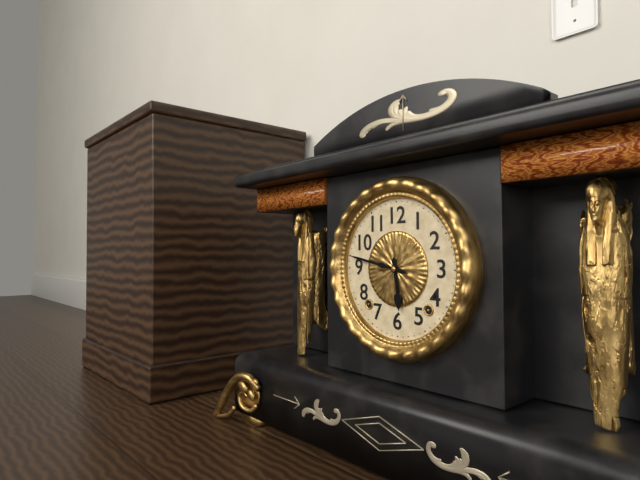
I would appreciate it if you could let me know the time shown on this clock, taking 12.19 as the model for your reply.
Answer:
5.47
